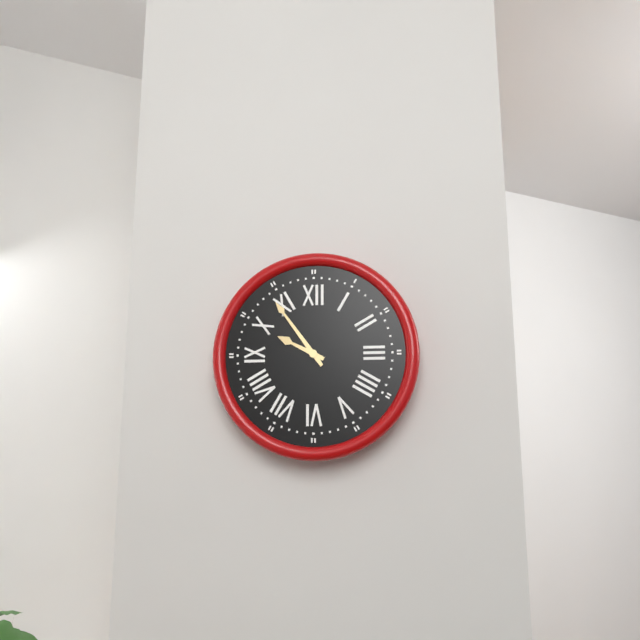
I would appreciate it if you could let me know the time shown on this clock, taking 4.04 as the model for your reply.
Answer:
9.54
